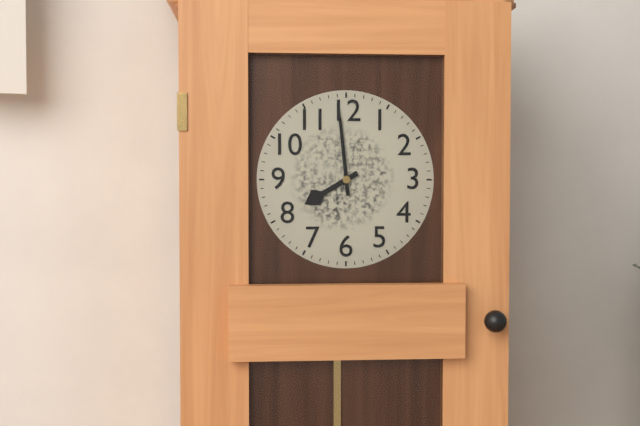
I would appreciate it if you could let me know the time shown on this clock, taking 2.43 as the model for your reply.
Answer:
7.59
